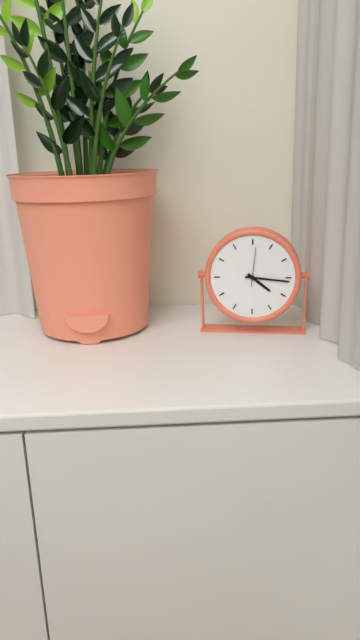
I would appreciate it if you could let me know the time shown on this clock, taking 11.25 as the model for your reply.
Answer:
4.16
